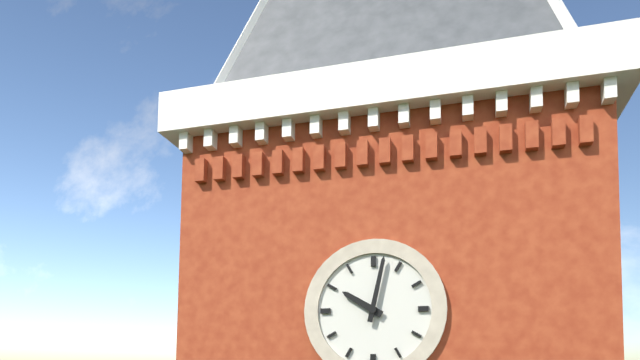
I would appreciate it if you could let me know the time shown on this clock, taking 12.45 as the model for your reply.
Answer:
10.02
